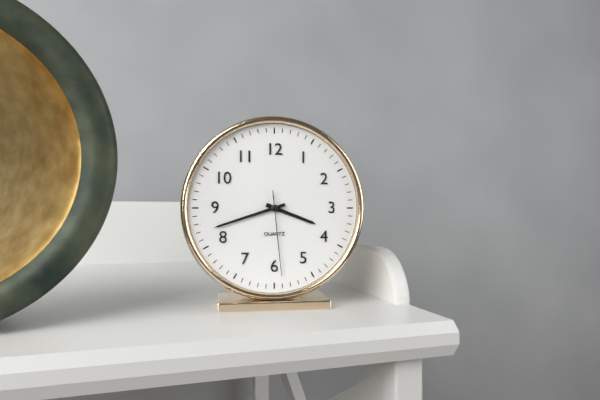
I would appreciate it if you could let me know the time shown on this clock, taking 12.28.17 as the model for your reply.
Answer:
3.42.29
